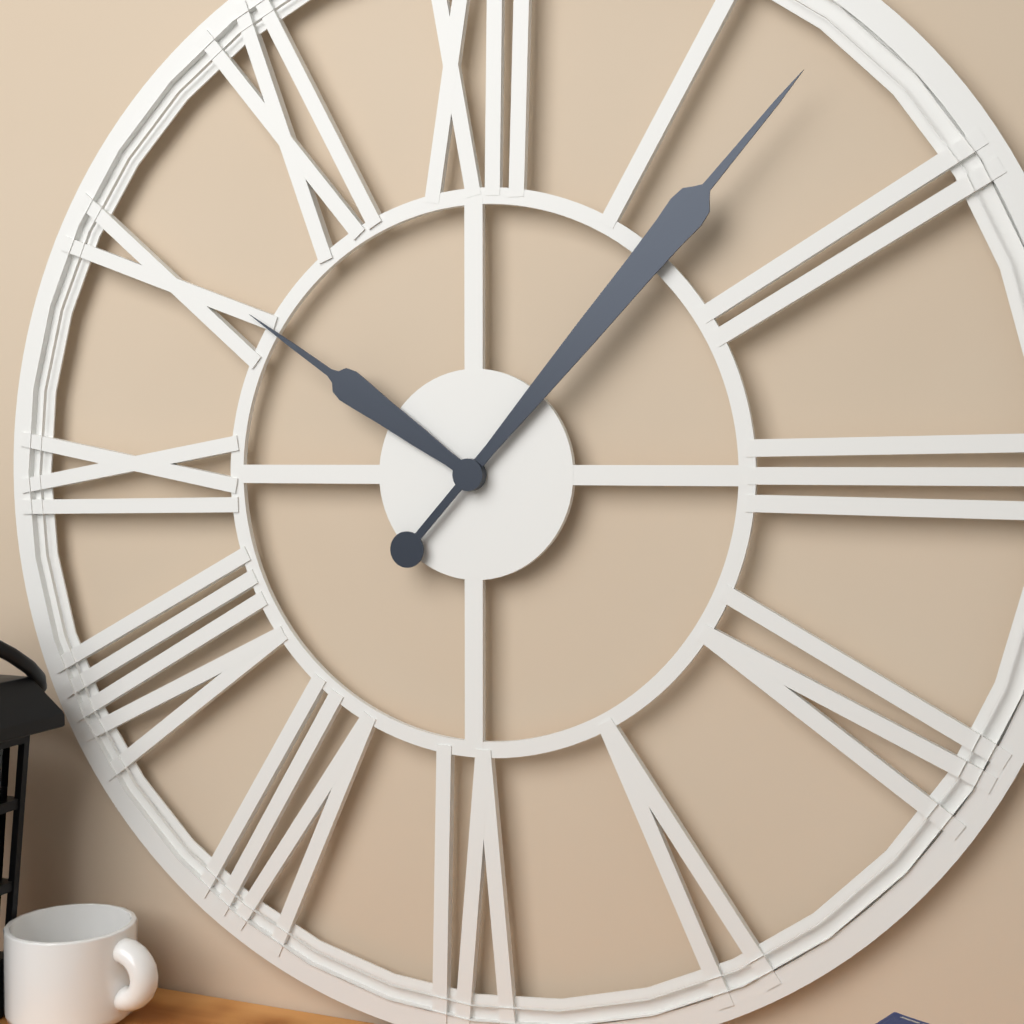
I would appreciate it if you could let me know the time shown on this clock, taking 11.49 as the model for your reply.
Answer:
10.07
